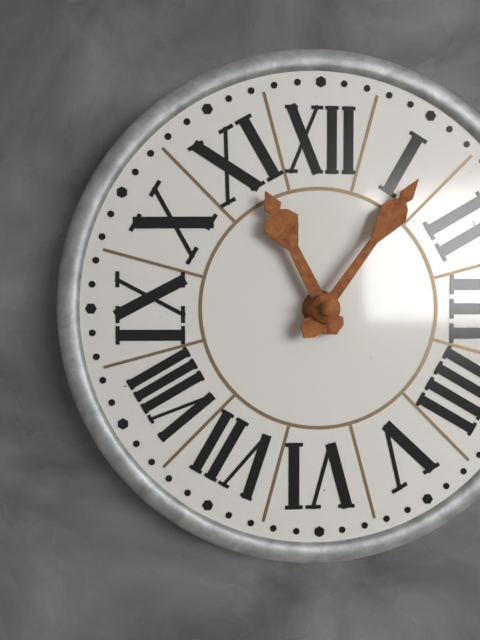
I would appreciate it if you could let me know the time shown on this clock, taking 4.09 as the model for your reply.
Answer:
11.06
